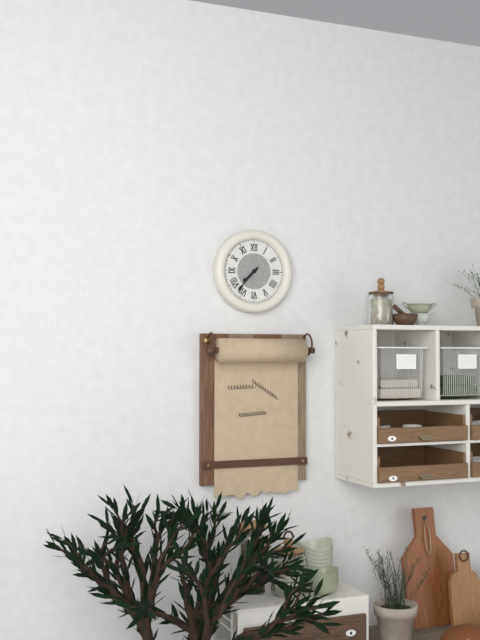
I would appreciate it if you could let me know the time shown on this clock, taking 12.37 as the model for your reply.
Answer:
7.37
